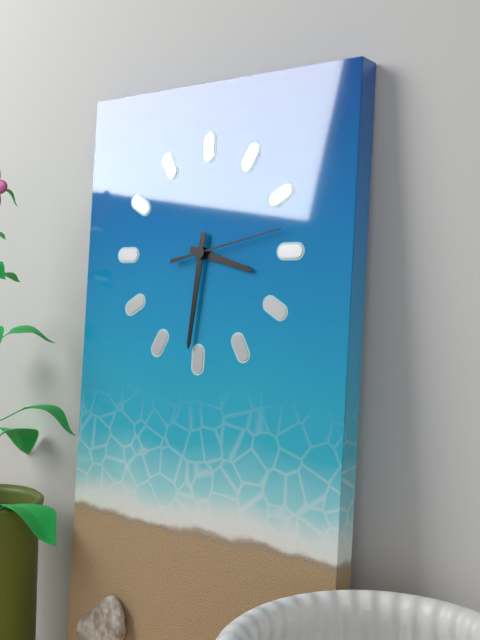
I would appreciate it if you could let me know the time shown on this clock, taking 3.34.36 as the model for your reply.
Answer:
3.31.13
